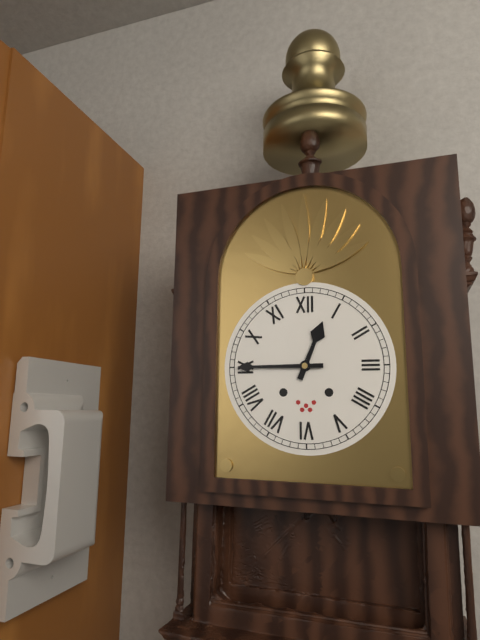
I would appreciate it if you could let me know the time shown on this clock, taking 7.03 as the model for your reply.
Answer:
12.45
